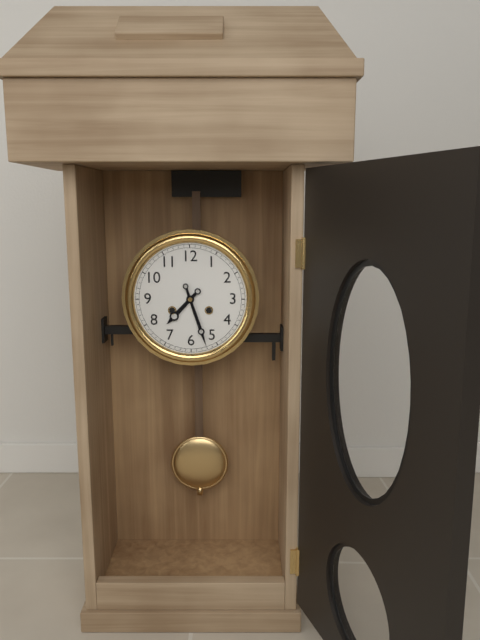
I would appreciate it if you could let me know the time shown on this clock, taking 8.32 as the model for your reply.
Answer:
7.27
